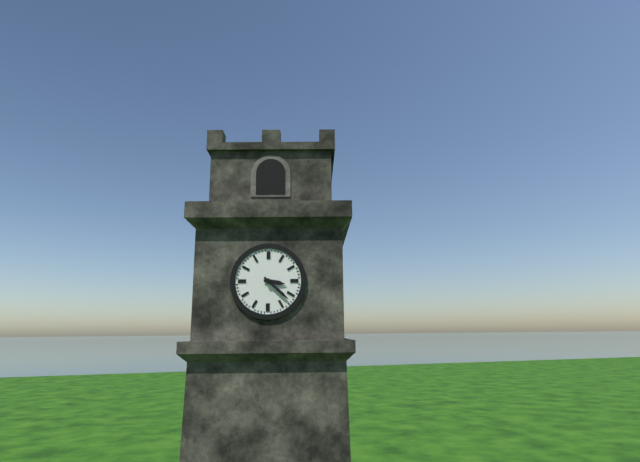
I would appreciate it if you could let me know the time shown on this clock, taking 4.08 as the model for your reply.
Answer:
3.22
